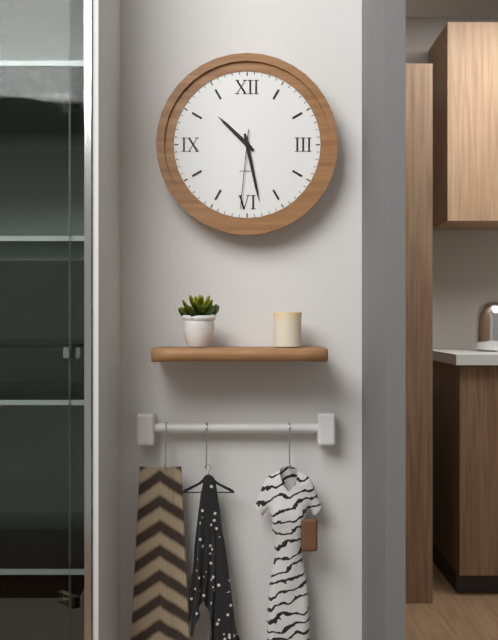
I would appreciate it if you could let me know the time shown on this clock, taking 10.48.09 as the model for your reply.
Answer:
10.28.31
